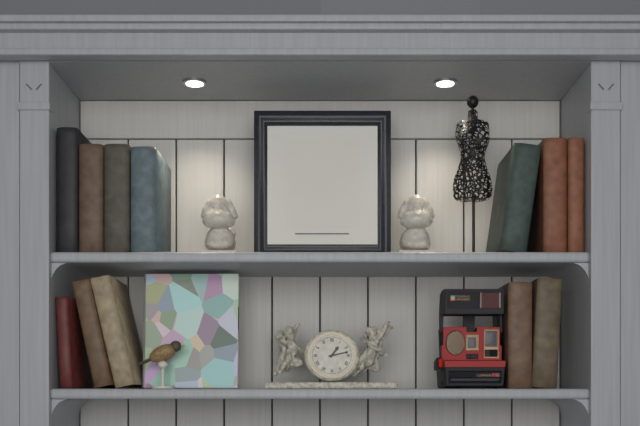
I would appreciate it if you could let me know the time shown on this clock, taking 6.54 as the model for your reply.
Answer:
1.13
